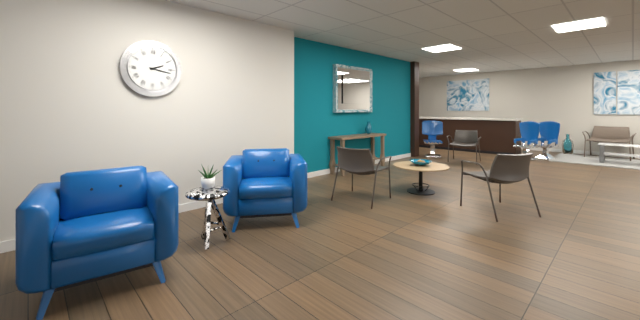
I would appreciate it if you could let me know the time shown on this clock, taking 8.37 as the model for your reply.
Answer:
2.17
